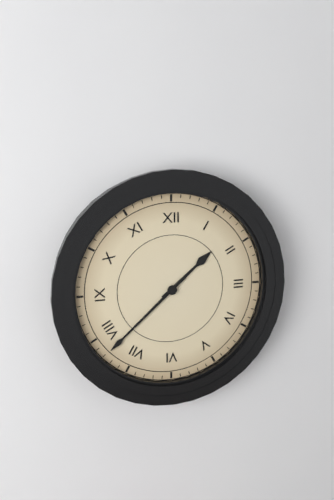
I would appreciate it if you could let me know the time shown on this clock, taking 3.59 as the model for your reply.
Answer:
1.38
